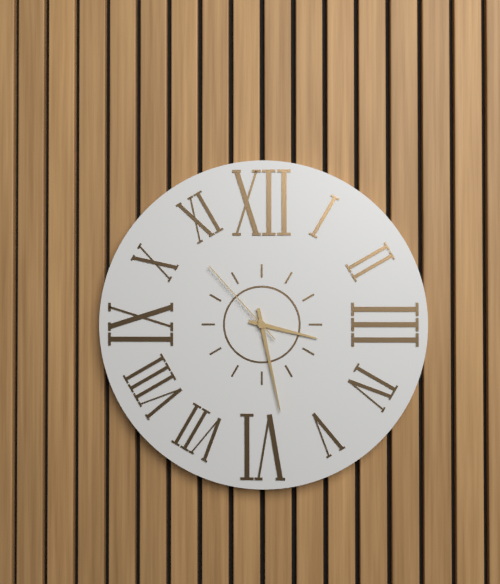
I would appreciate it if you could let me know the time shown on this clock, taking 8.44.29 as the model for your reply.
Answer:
3.28.53
